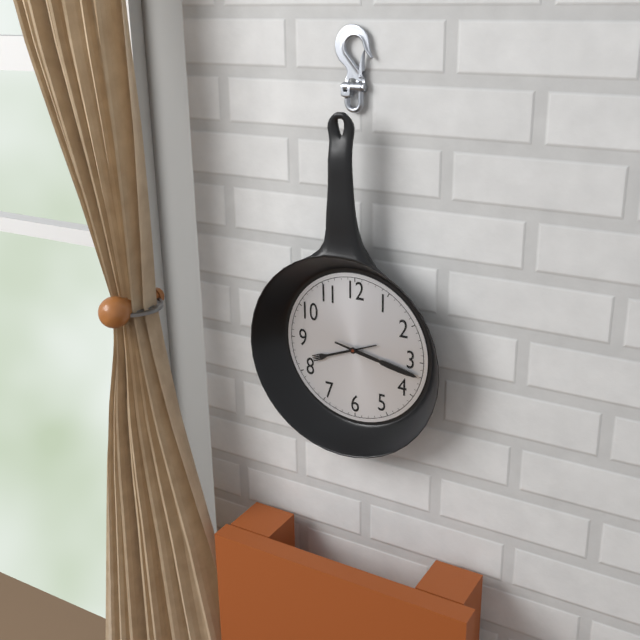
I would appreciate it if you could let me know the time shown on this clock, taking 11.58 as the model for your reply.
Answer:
8.17
